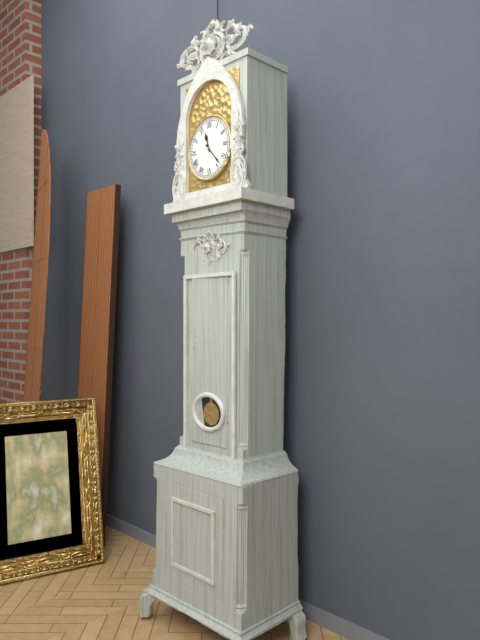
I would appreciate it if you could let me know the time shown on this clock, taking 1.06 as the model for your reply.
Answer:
11.23
